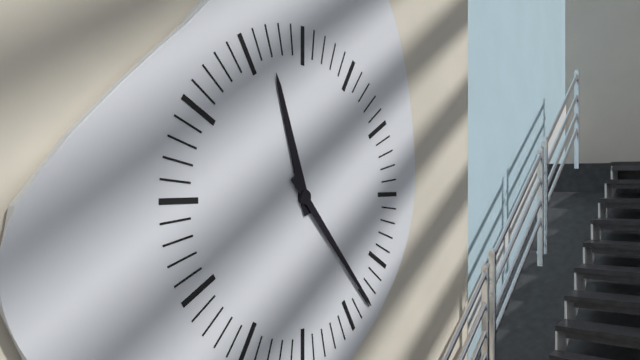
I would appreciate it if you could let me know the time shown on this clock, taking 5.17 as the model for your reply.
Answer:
11.23
